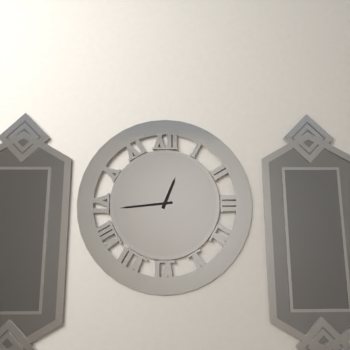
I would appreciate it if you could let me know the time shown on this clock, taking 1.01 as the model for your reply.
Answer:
12.44
